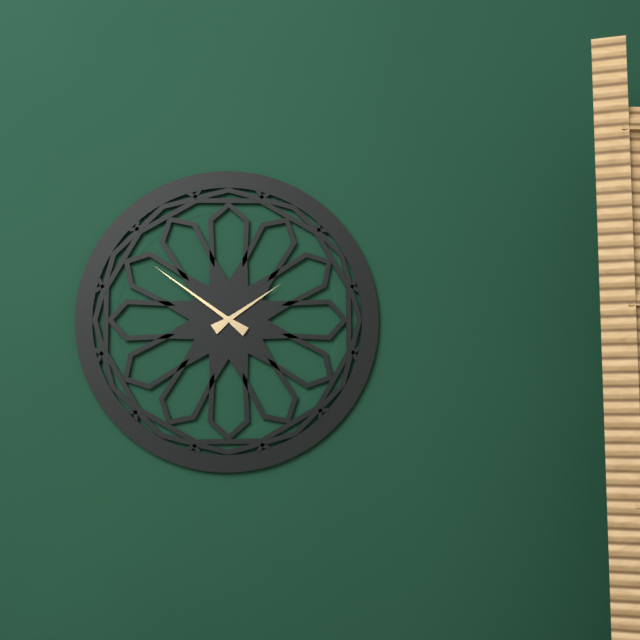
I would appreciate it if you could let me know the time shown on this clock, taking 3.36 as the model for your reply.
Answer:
1.51
